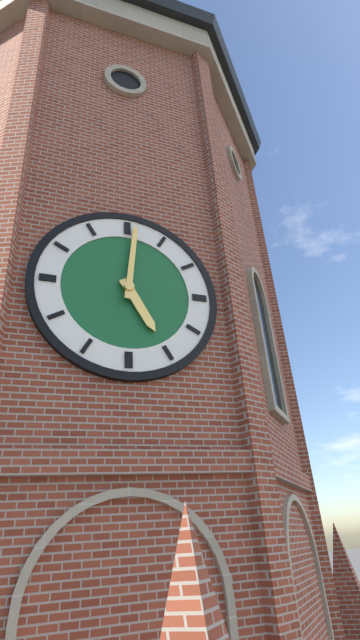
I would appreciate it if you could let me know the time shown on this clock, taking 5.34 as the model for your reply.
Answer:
5.01
